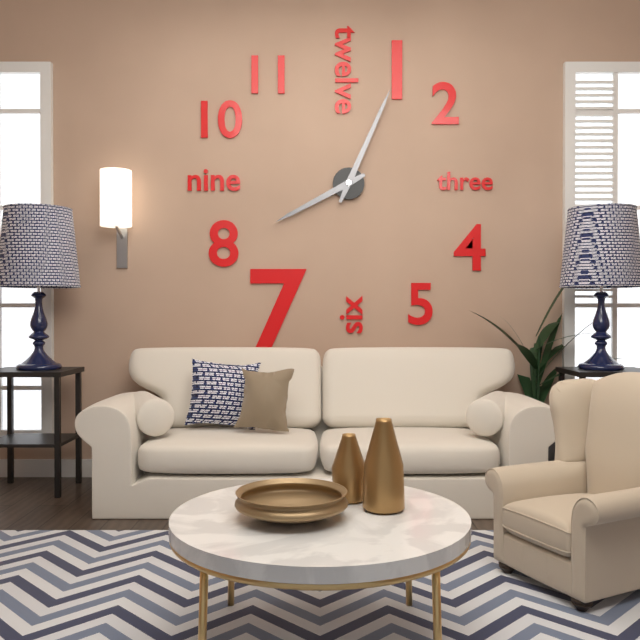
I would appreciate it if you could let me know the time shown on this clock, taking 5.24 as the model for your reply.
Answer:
8.04
